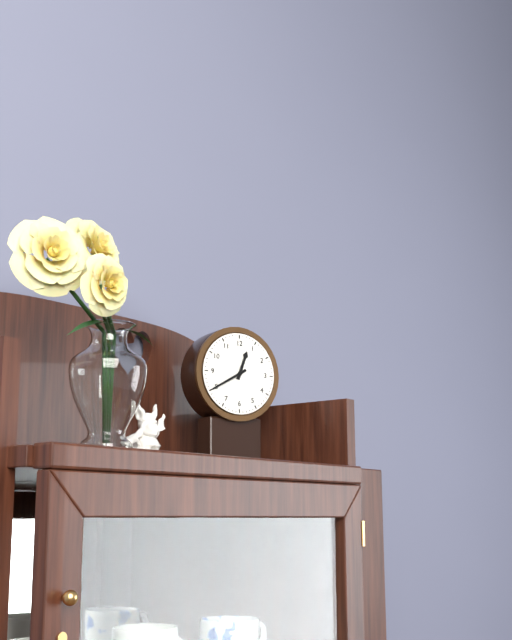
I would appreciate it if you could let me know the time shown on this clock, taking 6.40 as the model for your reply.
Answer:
12.40
